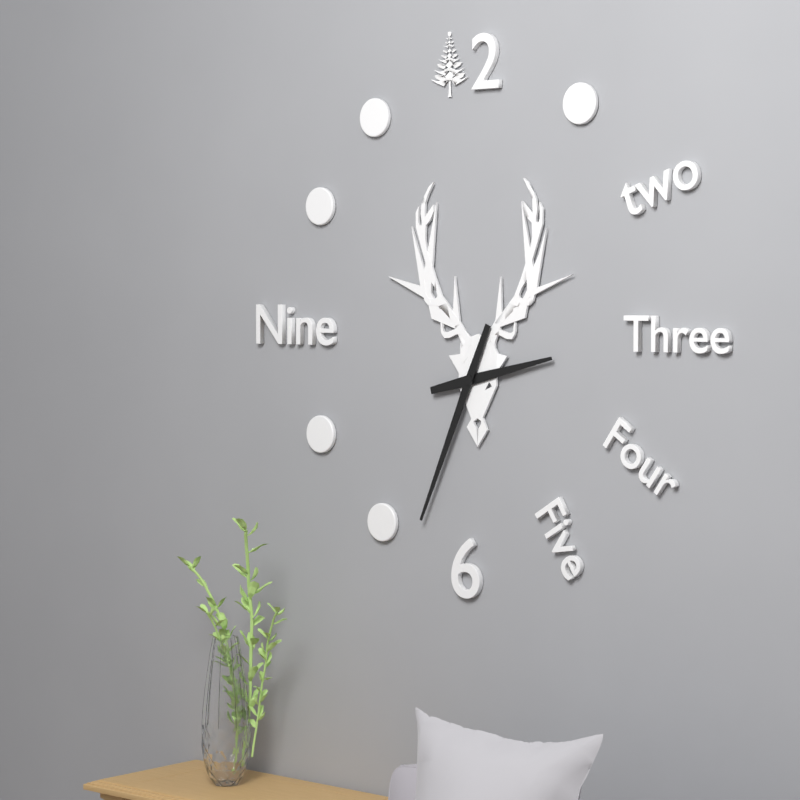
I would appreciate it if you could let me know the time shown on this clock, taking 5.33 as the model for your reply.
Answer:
2.34
